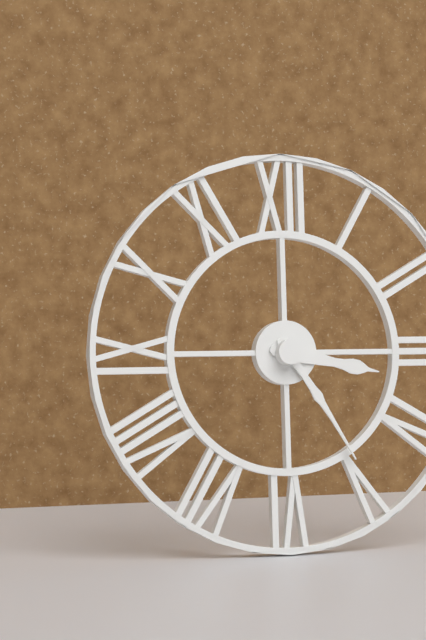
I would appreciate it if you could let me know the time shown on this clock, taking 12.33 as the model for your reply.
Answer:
3.24
